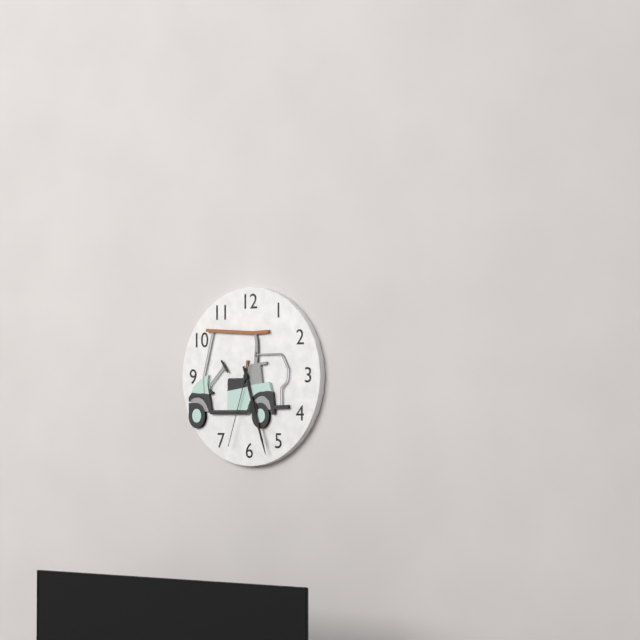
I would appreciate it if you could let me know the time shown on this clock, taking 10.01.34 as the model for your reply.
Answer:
5.27.33
